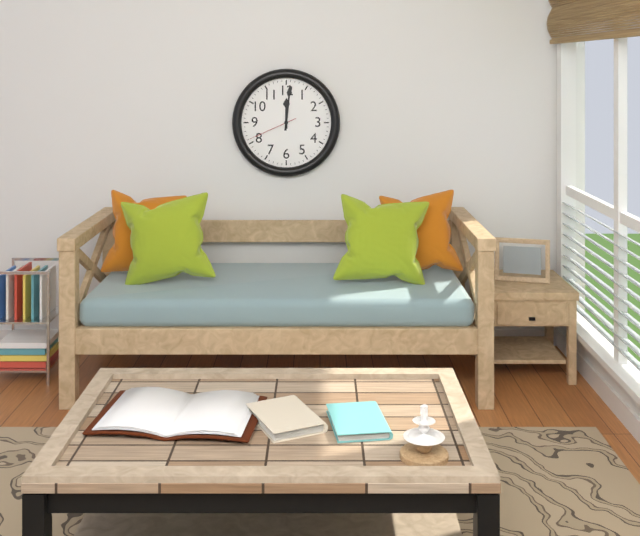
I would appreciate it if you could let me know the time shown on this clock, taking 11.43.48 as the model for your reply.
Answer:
12.01.41
